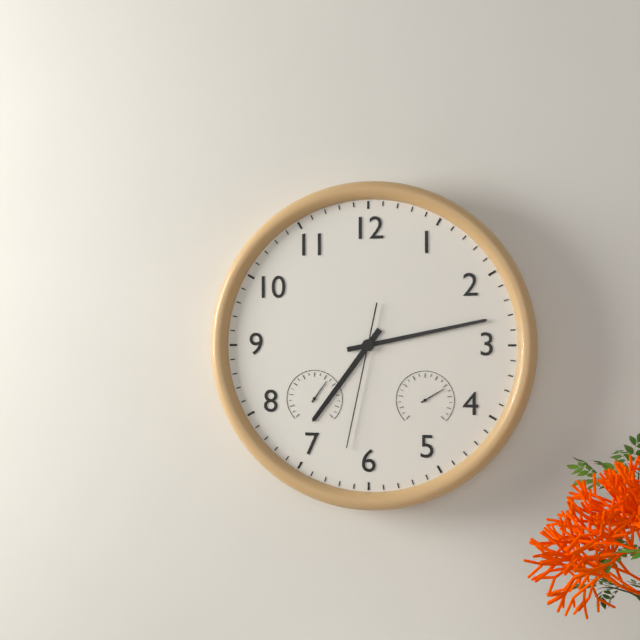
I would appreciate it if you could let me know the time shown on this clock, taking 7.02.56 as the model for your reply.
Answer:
7.13.32
